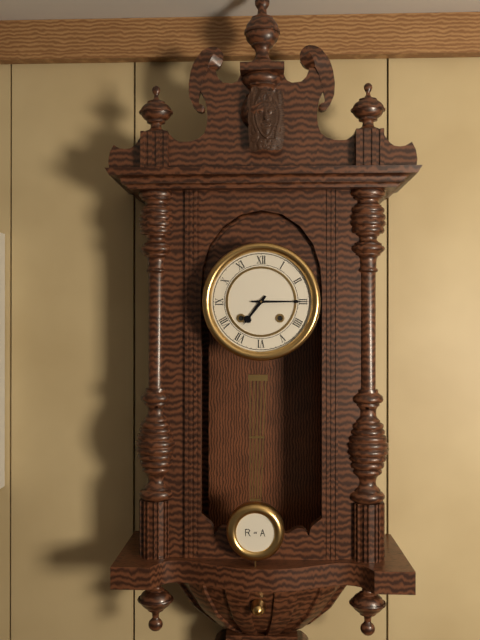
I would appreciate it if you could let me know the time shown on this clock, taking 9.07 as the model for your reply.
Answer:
7.15
